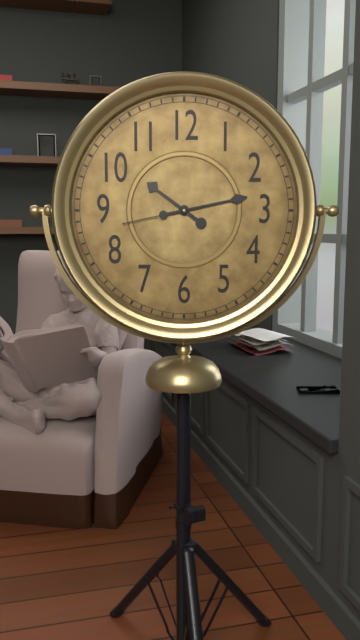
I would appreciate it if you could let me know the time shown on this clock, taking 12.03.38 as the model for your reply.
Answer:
10.13.43
